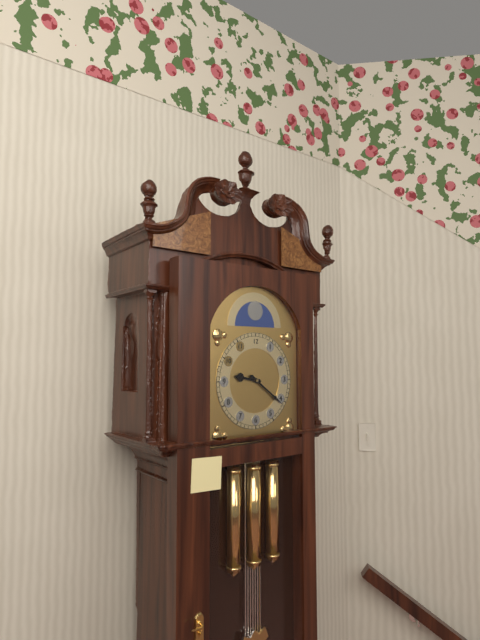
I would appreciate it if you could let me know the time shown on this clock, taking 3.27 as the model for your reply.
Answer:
9.21
